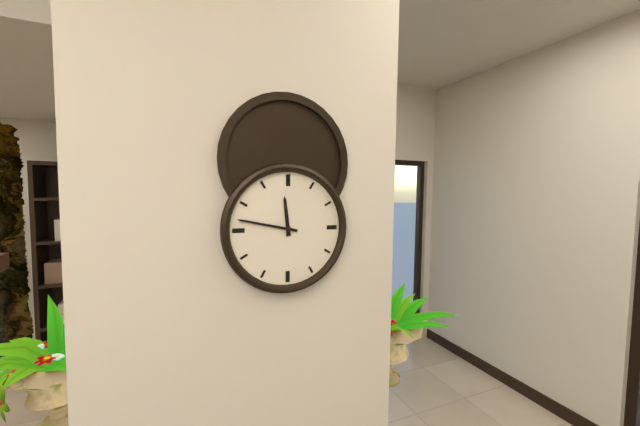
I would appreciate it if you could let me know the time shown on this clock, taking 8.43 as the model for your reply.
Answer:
11.47
